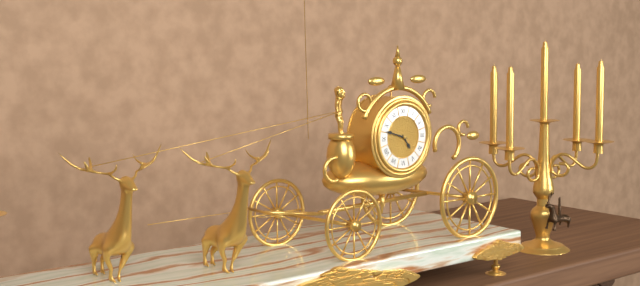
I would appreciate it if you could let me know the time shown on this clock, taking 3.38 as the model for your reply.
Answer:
4.48
